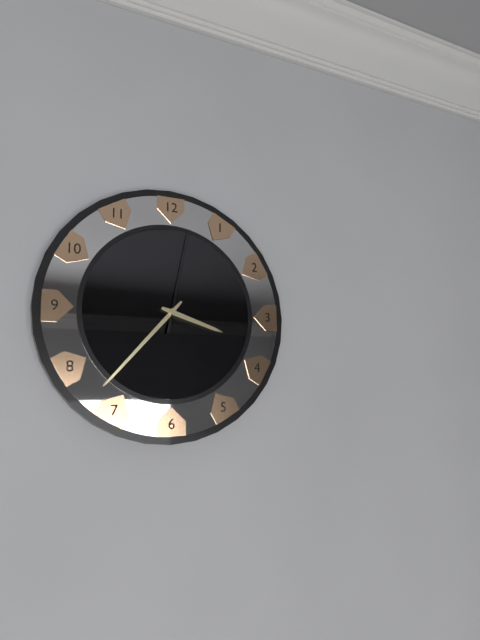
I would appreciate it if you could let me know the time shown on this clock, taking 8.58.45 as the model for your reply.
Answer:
3.37.02
